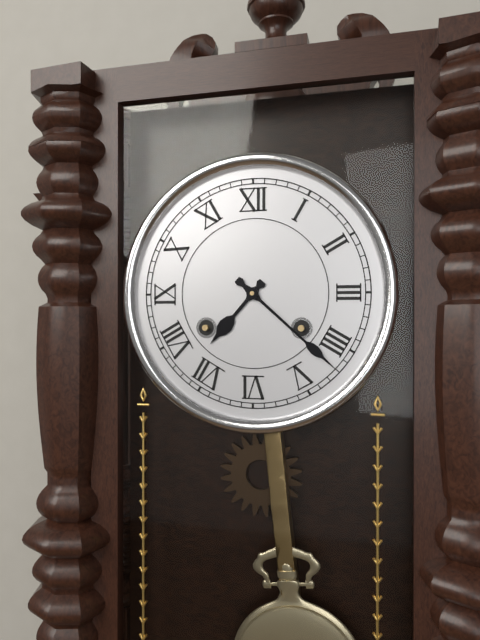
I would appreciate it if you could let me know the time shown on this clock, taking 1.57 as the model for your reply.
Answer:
7.22
